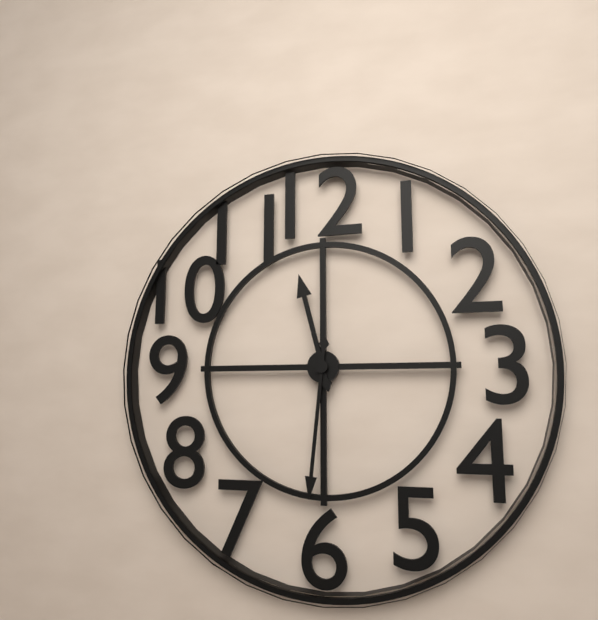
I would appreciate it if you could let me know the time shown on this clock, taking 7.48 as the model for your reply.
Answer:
11.31
